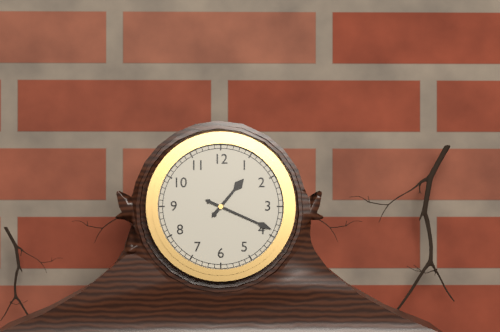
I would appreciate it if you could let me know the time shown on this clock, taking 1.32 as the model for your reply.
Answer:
1.19
